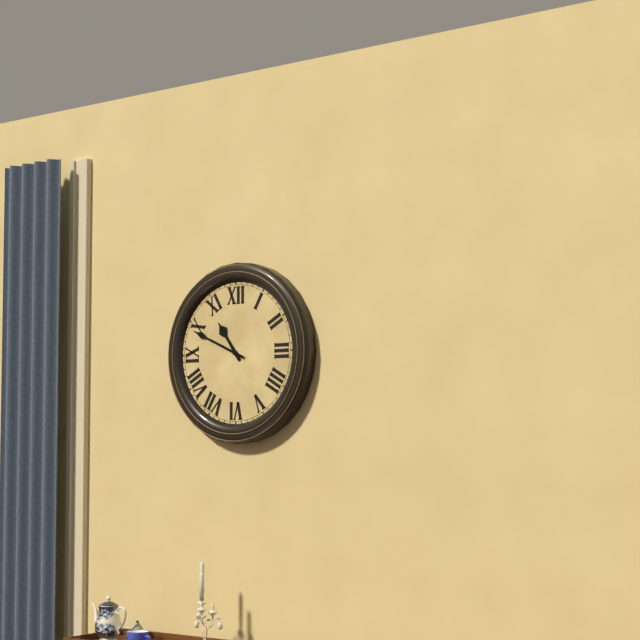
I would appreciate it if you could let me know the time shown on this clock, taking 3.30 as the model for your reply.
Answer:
10.49
